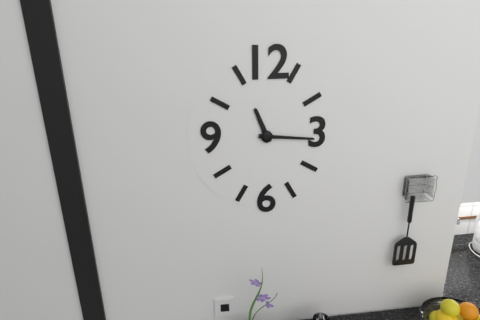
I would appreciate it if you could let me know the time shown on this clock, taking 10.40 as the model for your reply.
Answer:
11.16
